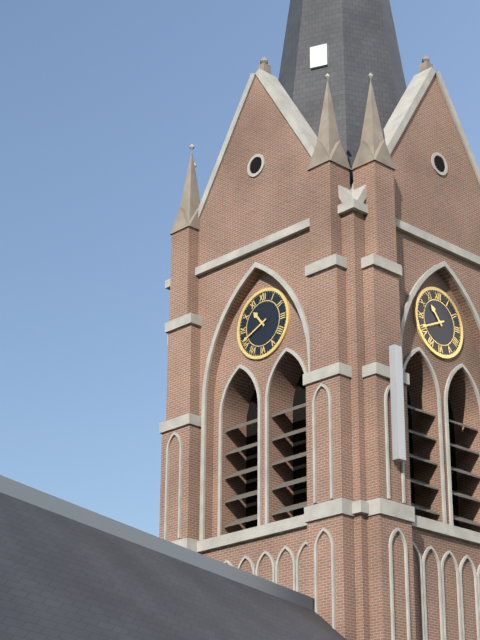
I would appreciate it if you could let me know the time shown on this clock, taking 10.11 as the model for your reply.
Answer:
10.41
